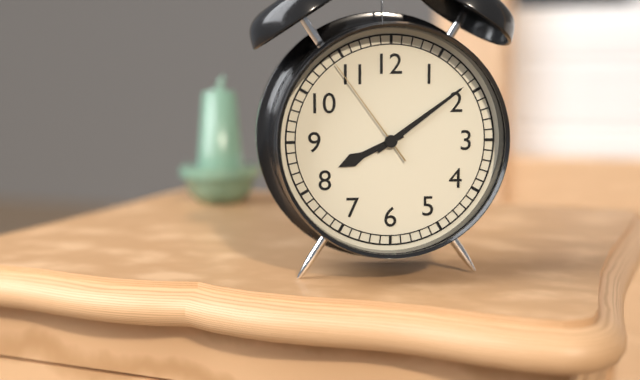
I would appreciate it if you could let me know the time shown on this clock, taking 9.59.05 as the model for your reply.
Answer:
8.09.54
